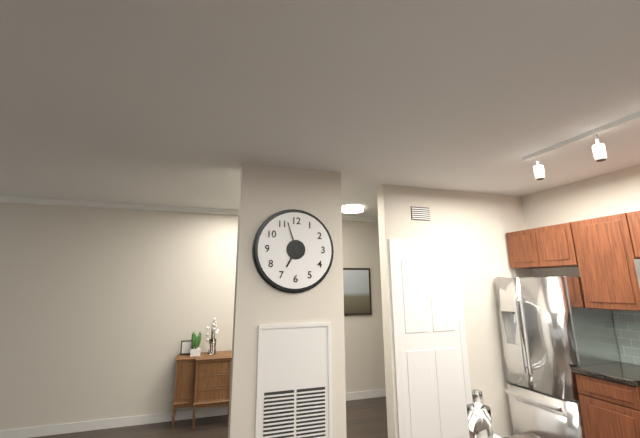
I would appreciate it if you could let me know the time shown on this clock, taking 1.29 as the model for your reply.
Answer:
6.57
